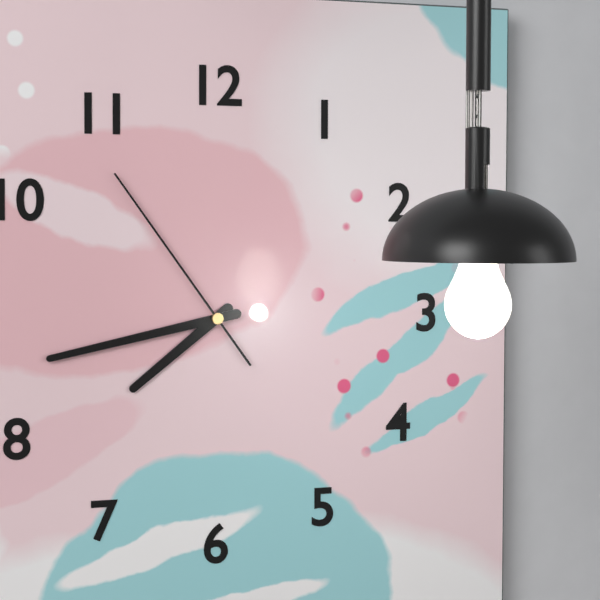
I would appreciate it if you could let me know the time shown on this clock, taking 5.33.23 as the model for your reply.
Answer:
7.43.54
